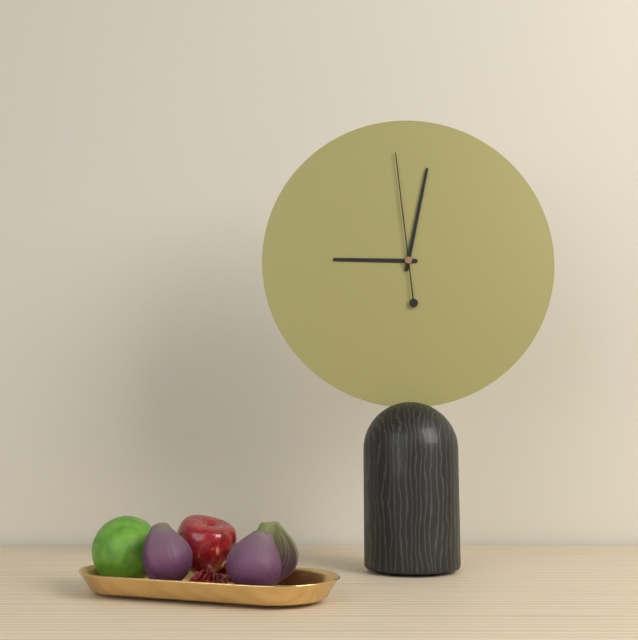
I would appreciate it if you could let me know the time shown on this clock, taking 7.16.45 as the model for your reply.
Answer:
9.02.59
